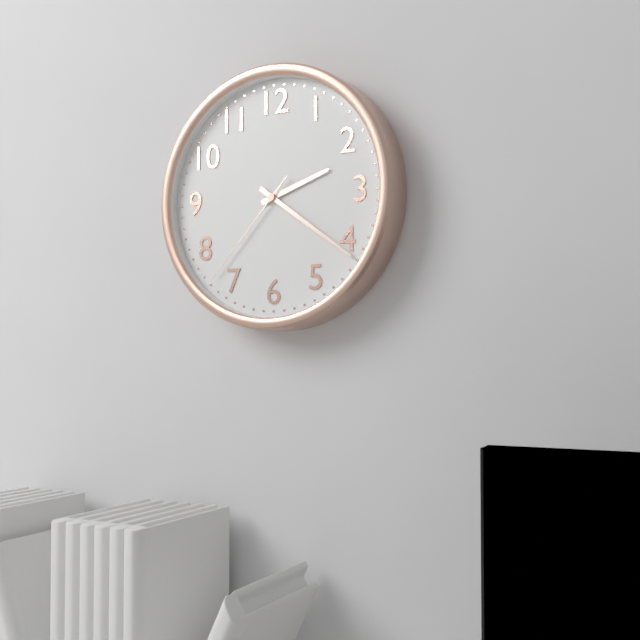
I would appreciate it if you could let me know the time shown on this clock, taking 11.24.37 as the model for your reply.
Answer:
2.21.37
